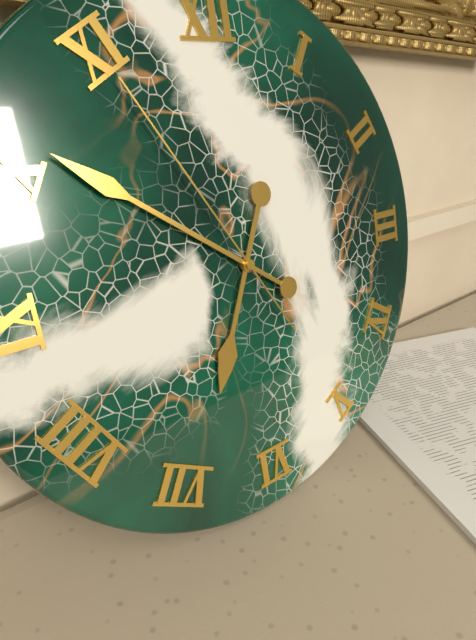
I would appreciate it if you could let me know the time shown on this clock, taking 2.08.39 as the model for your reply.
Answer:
6.51.55
